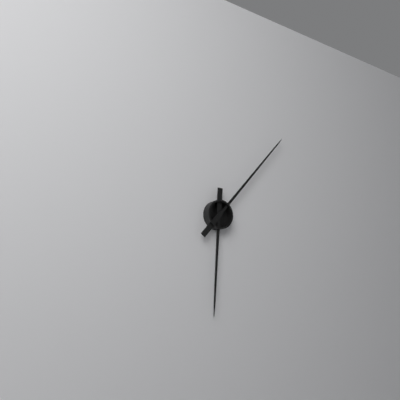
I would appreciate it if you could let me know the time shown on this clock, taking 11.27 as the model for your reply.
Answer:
6.07
